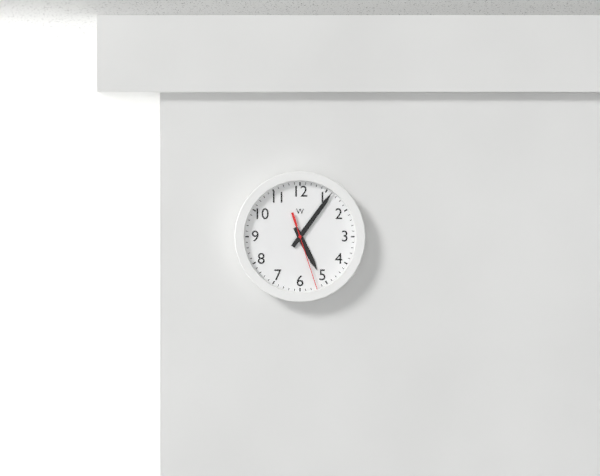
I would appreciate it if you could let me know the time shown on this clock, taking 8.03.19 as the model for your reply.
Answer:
5.06.27
